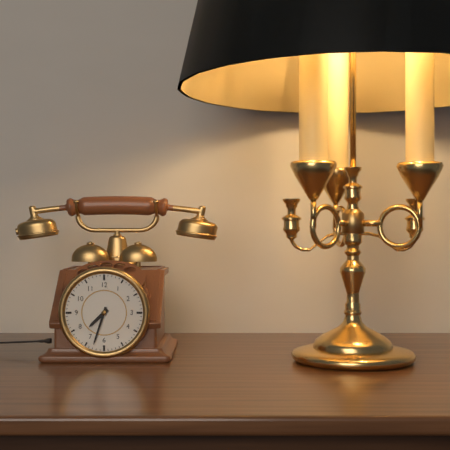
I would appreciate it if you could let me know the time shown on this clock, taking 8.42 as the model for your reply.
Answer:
7.33
